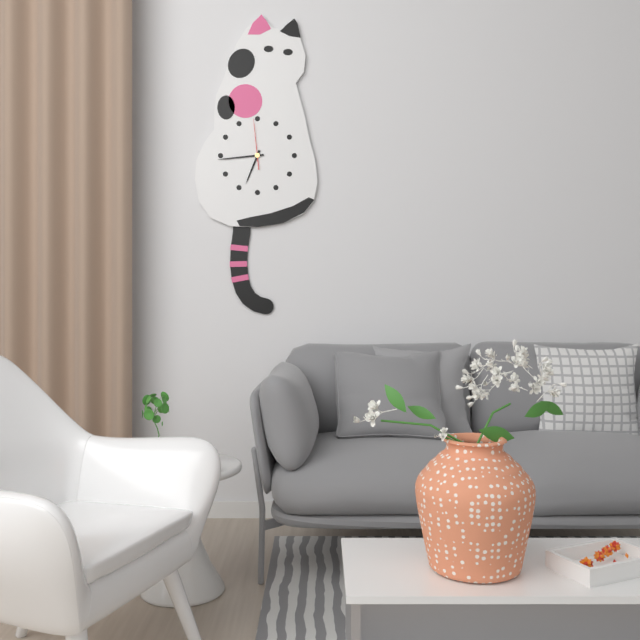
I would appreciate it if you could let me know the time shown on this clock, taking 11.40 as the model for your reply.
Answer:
6.44
